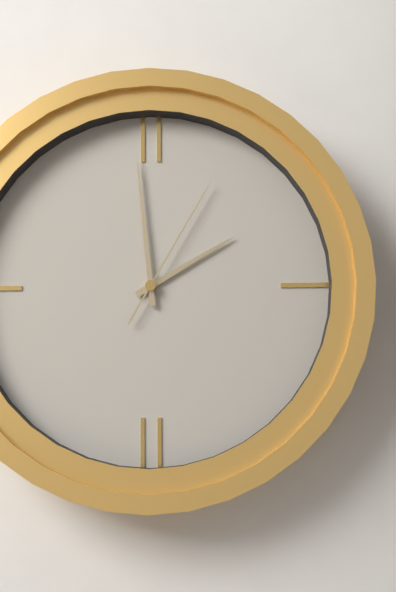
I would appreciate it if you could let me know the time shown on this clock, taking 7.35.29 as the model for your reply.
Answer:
1.59.05
